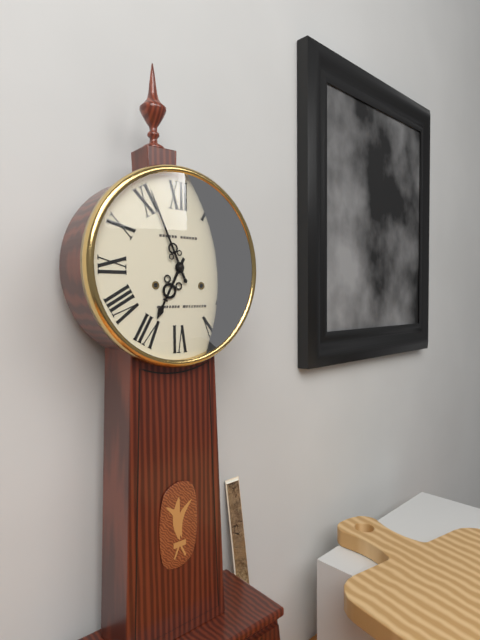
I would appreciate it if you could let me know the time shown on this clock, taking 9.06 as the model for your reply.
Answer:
6.56
